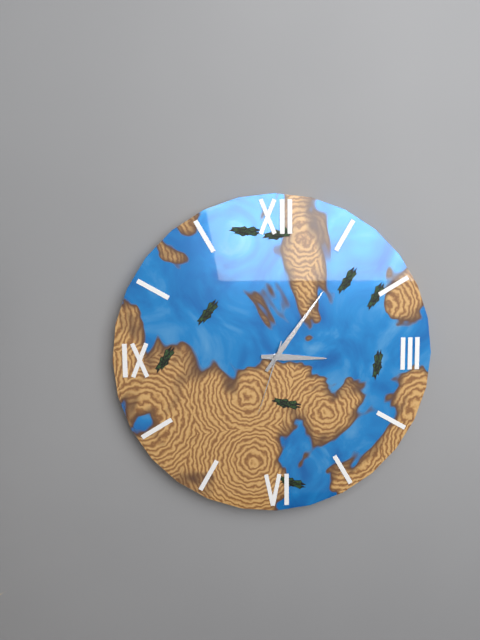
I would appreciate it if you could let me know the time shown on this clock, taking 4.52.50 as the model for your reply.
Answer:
3.06.33
